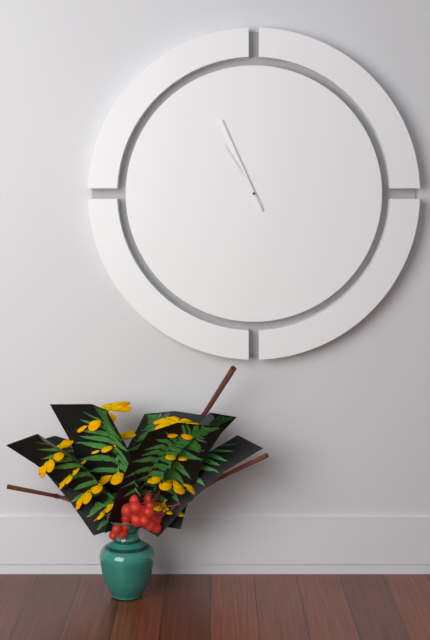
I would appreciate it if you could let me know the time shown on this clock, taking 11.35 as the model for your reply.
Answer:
10.56
